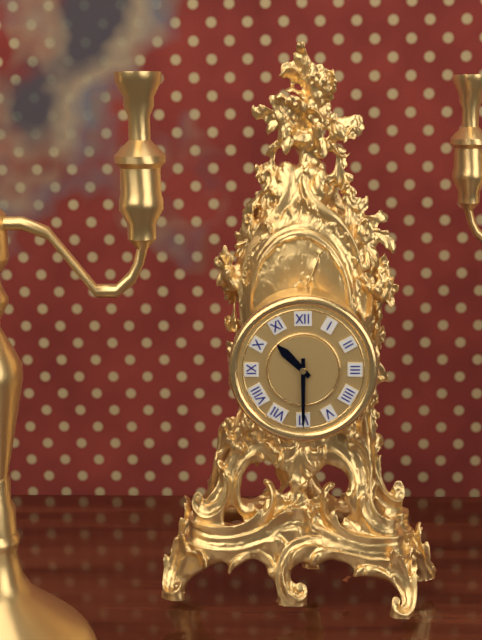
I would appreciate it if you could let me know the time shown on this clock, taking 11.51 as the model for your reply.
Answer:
10.30
